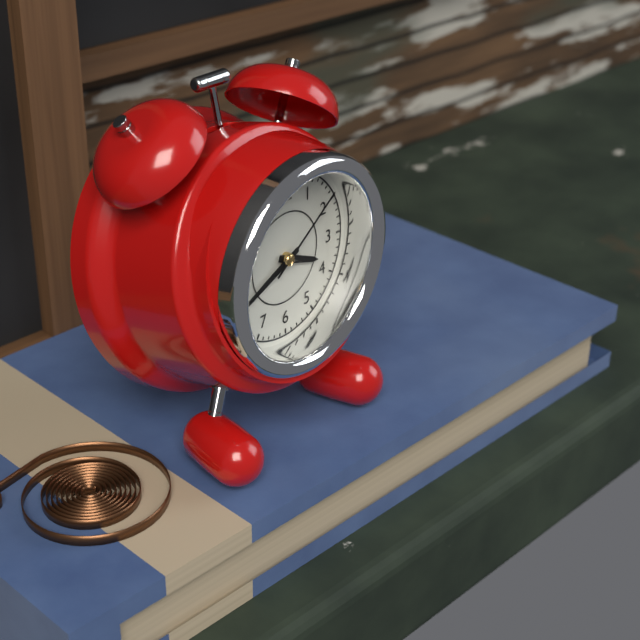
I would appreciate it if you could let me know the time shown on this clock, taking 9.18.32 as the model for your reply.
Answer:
3.41.09
